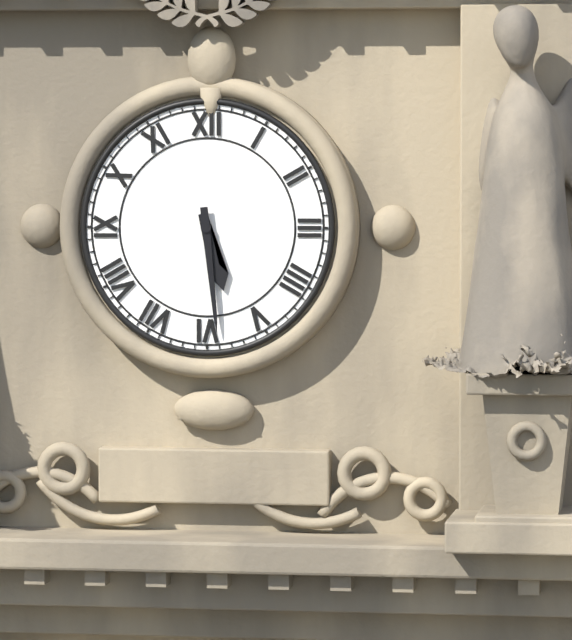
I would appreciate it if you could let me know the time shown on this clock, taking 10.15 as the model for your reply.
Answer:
5.29
